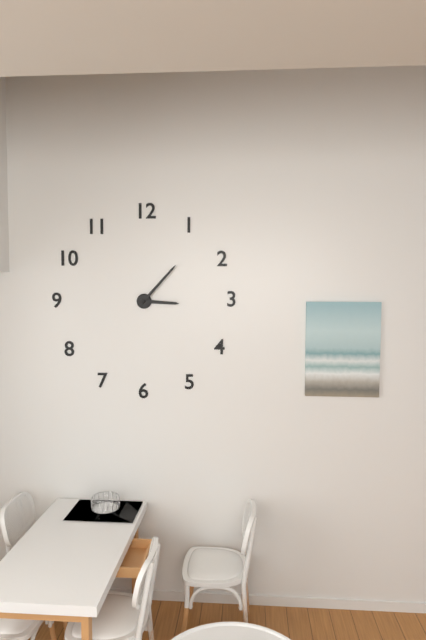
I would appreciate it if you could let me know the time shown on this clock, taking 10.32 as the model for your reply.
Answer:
3.07
